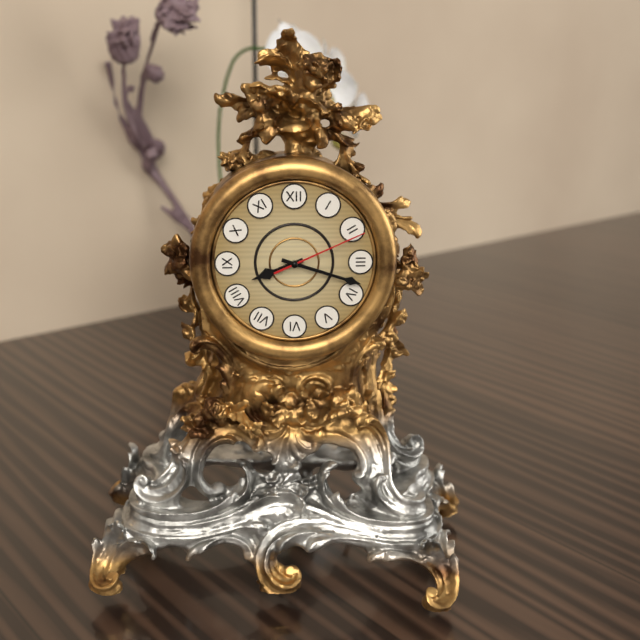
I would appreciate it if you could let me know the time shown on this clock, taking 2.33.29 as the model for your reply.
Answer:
8.18.11
